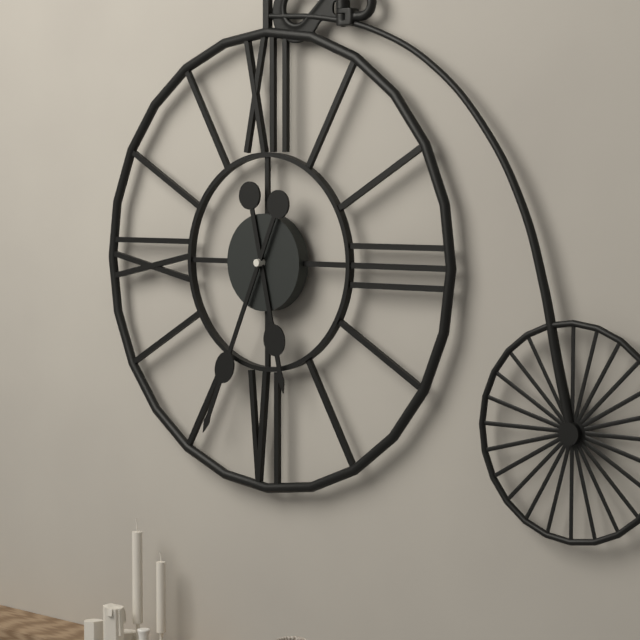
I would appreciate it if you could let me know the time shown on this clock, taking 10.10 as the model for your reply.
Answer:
5.34
